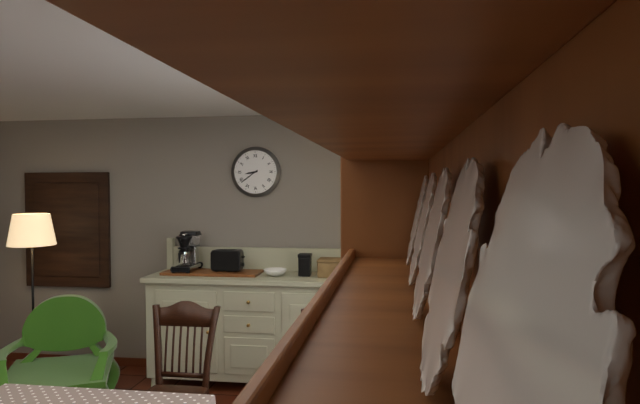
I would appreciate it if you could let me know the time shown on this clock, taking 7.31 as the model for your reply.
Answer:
8.39
